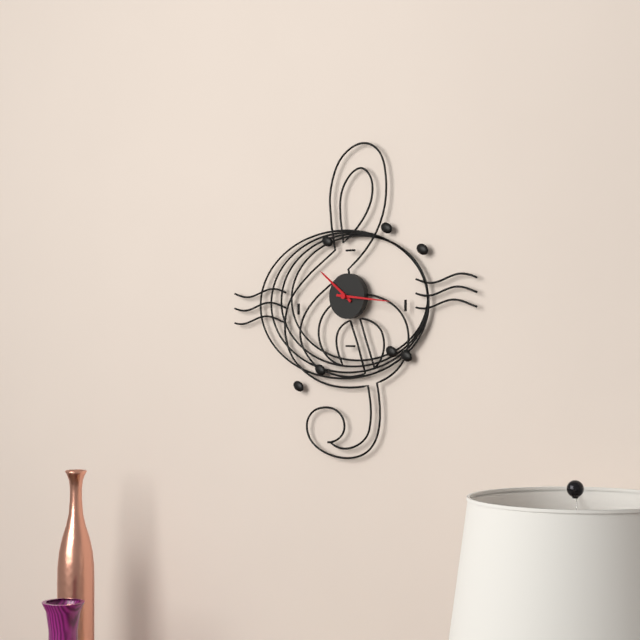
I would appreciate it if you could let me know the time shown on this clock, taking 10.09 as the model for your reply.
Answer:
10.16
